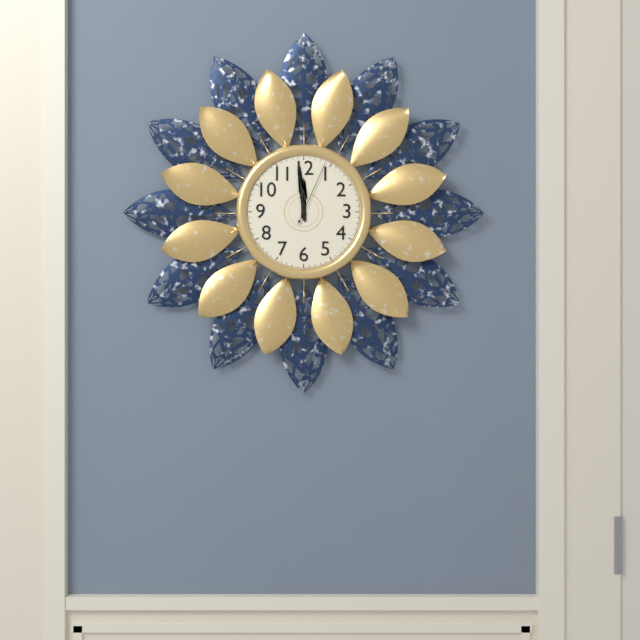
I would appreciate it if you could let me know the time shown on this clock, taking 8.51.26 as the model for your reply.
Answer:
11.59.04
